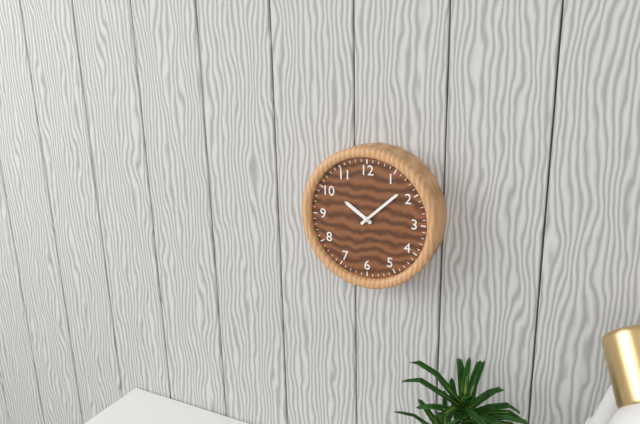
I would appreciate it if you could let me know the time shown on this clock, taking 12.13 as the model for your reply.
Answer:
10.08
